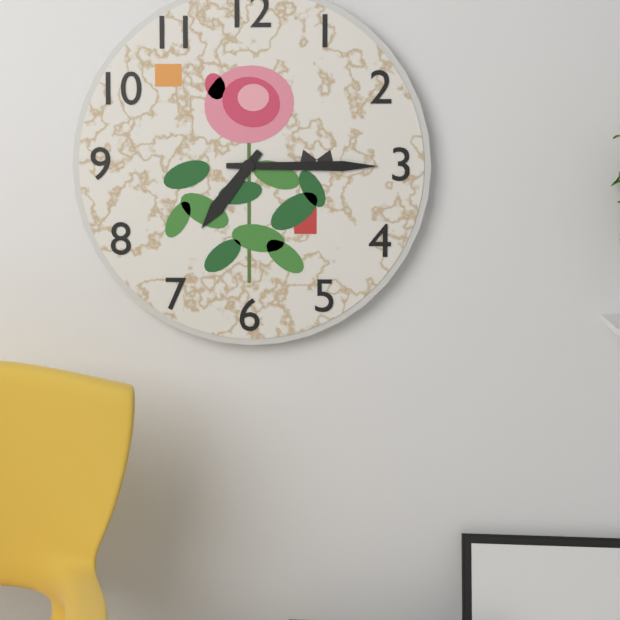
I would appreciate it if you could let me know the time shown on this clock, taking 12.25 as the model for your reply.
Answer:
7.15
